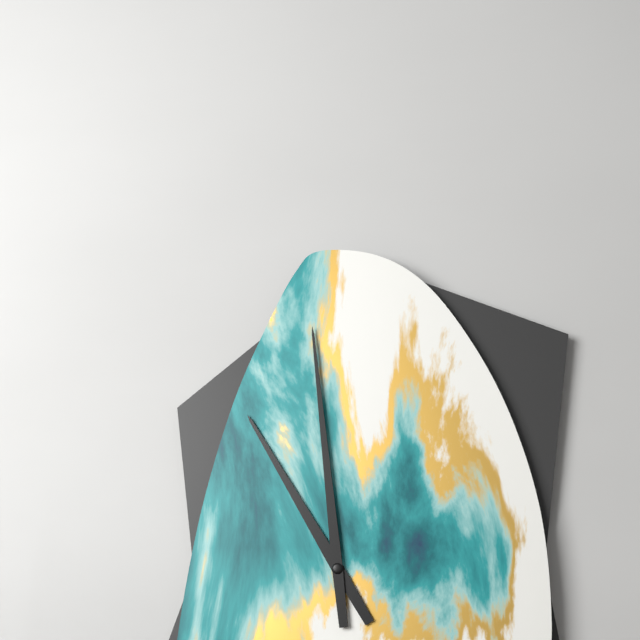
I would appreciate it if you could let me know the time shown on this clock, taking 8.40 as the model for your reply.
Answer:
10.59
